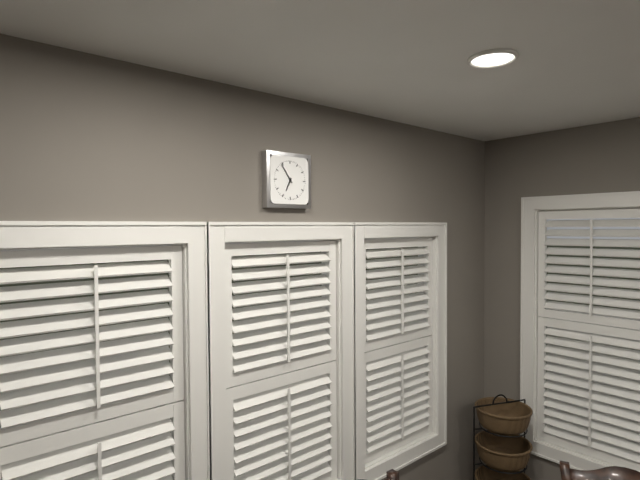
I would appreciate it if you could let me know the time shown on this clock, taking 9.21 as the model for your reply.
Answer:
6.54
